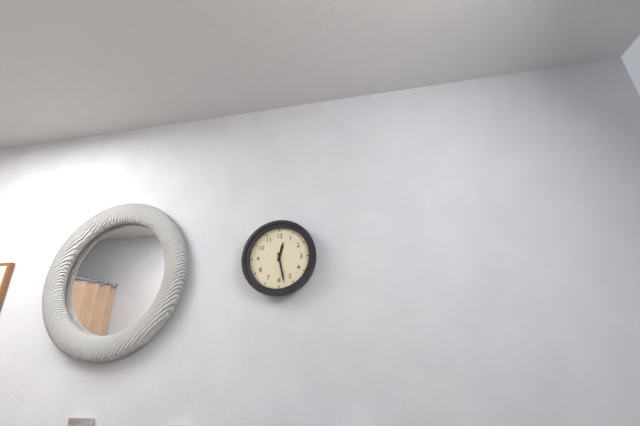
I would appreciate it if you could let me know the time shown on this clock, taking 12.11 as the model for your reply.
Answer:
12.28
